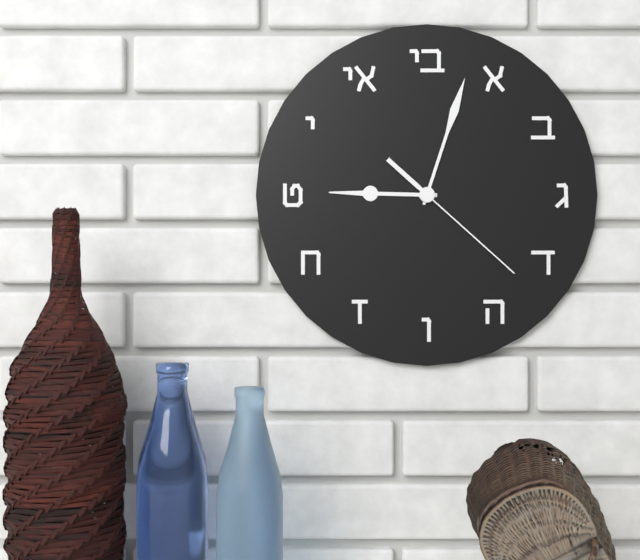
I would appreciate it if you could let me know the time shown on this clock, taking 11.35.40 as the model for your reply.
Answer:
9.03.22
